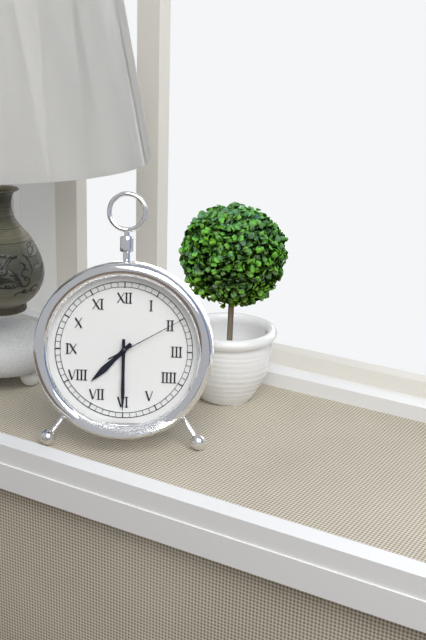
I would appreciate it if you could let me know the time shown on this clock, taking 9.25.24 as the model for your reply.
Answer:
7.30.10
